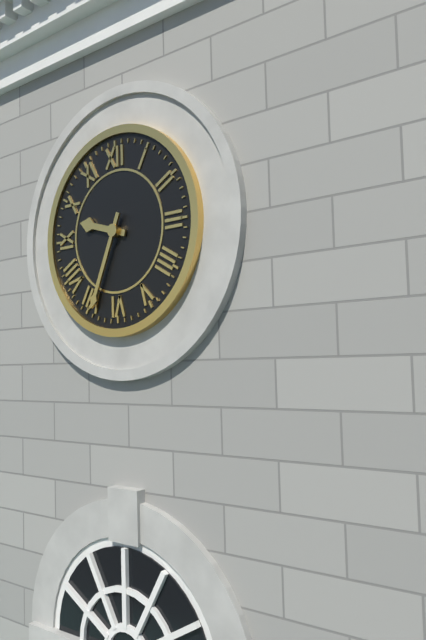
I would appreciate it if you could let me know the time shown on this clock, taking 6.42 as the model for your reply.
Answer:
9.34
